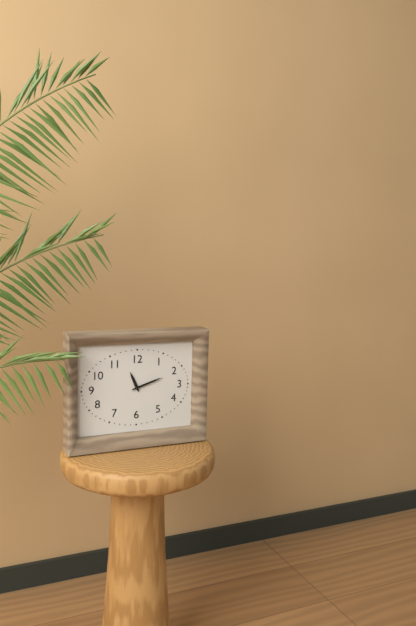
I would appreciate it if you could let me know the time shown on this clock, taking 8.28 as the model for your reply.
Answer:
11.12
